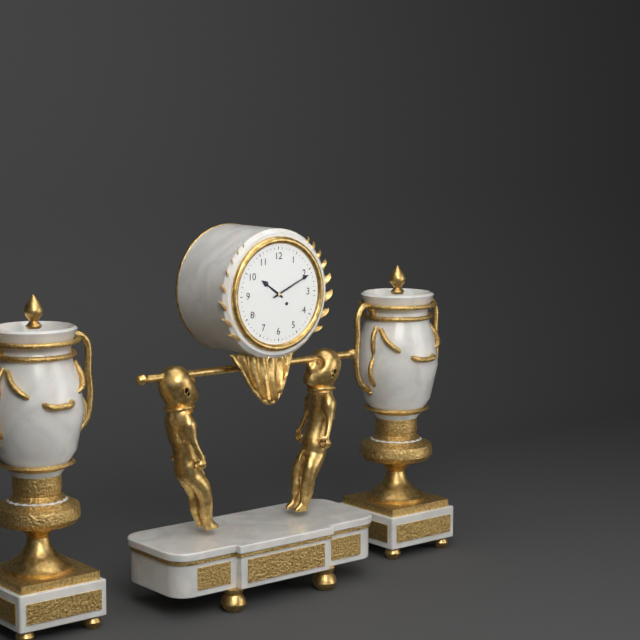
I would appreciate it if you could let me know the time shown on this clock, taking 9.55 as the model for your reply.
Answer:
10.11
